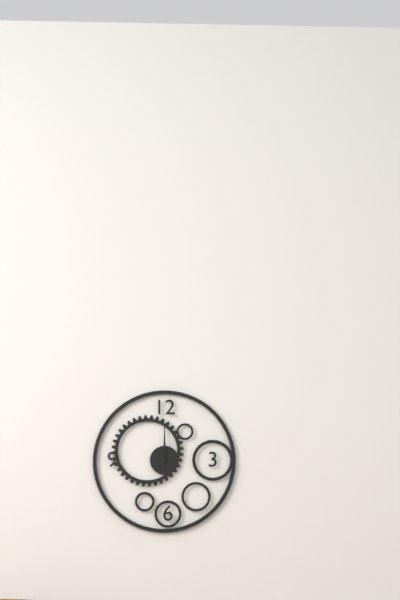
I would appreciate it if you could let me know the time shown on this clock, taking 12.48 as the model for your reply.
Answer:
12.00
